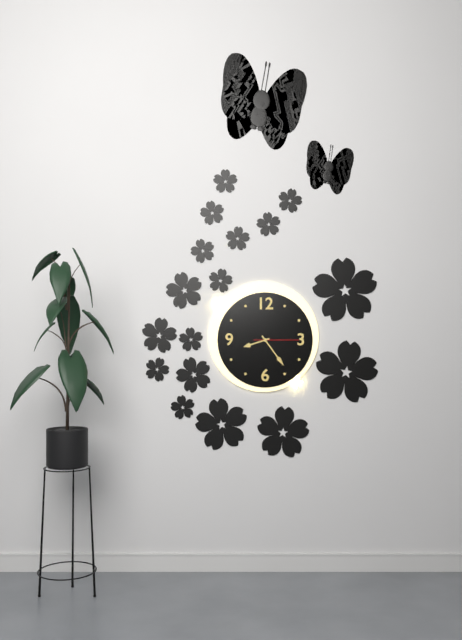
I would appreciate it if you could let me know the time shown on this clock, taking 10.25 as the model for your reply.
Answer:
8.24
